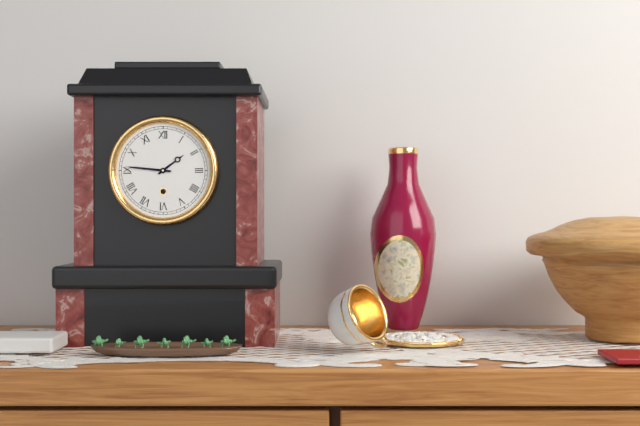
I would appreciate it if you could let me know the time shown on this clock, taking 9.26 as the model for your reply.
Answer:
1.46
